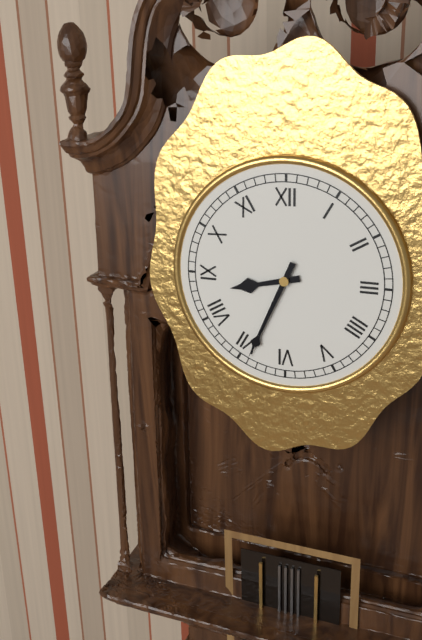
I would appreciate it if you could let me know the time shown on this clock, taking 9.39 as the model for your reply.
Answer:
8.34
